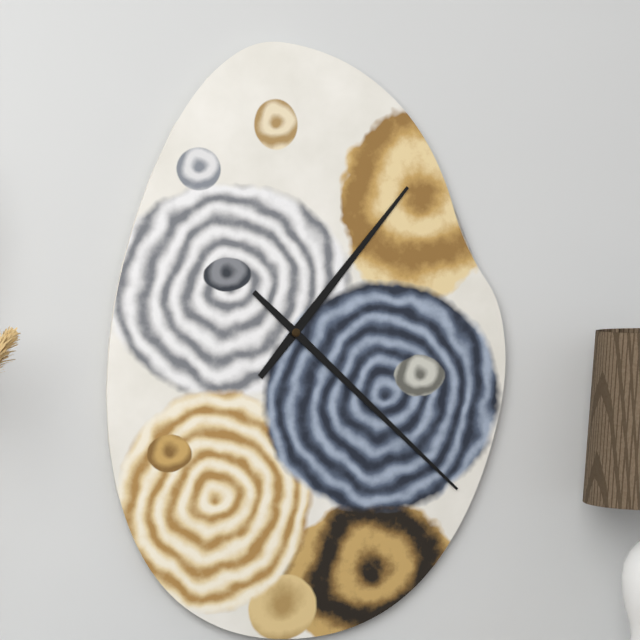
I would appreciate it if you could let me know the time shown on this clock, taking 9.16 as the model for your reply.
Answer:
1.22
